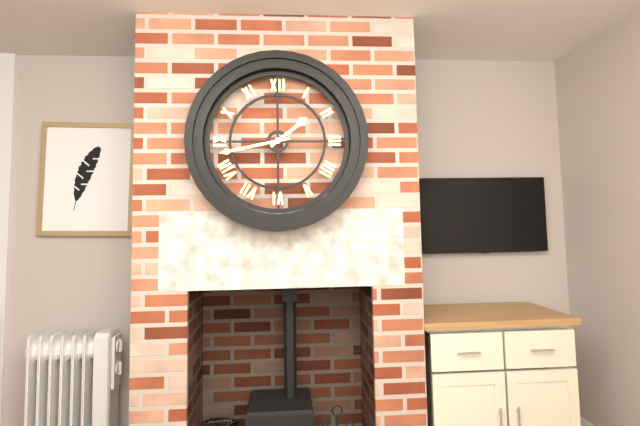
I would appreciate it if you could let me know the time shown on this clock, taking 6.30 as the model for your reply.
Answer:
1.43
